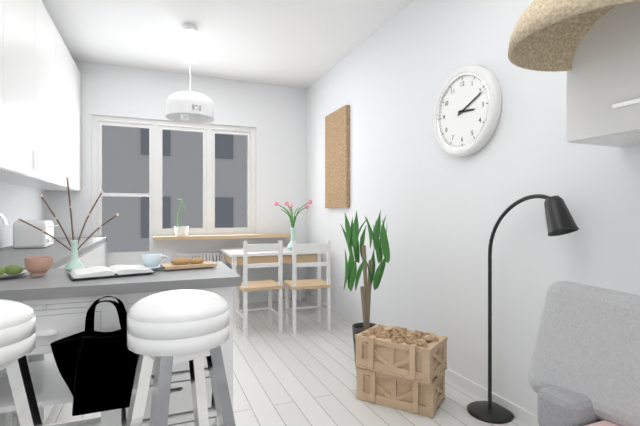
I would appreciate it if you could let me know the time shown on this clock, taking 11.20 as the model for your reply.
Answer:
3.11
